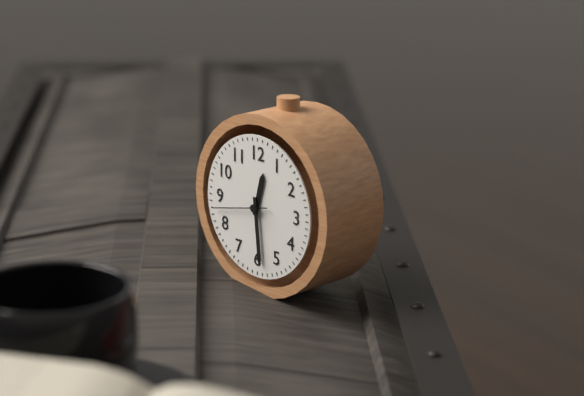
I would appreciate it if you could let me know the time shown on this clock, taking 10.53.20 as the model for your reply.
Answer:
12.29.43
